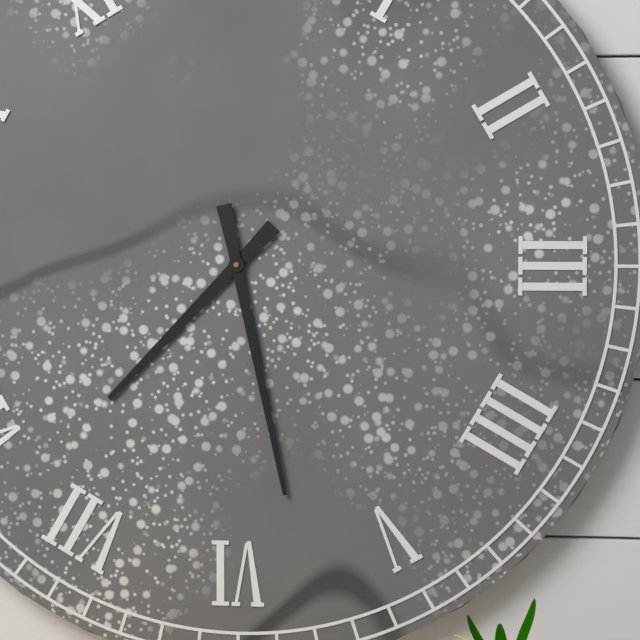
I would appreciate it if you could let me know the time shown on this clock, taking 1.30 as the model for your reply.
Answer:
7.28
